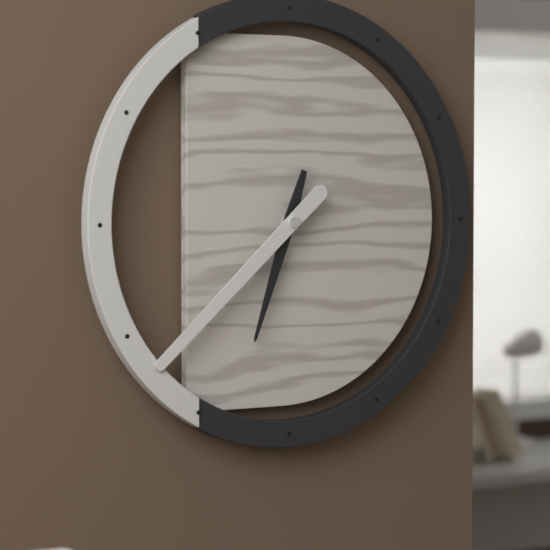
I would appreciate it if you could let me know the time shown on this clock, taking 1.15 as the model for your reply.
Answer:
6.38
